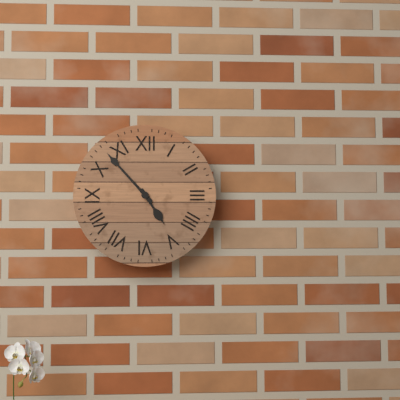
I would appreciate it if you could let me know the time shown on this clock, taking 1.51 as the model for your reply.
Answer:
4.53
